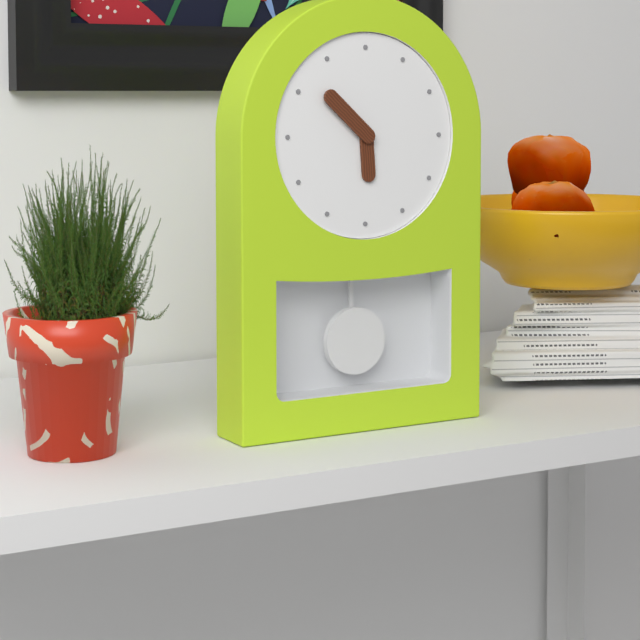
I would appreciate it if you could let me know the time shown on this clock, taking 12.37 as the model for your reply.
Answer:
5.52
